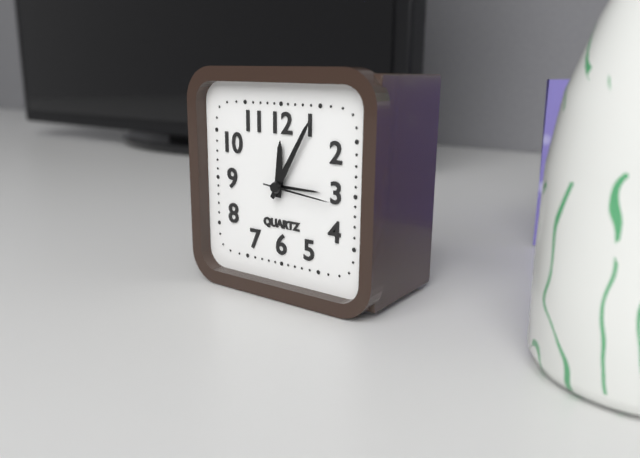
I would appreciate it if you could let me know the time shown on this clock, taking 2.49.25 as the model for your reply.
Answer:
12.05.16
